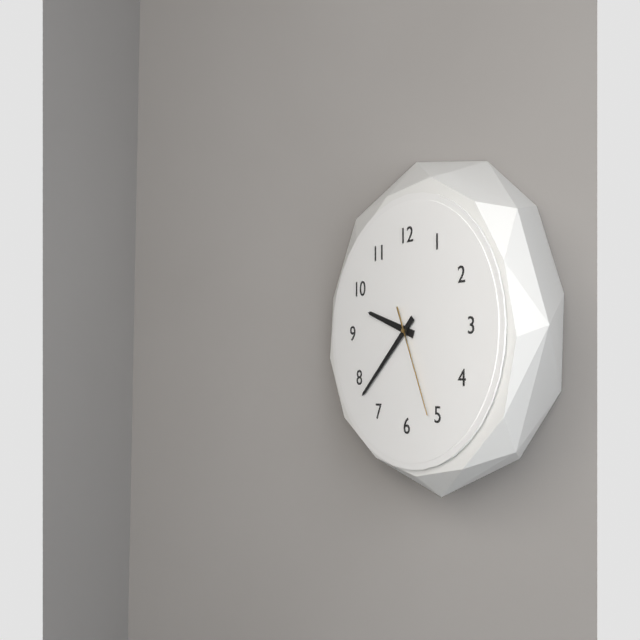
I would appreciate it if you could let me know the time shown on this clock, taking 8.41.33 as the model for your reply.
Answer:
9.38.26
